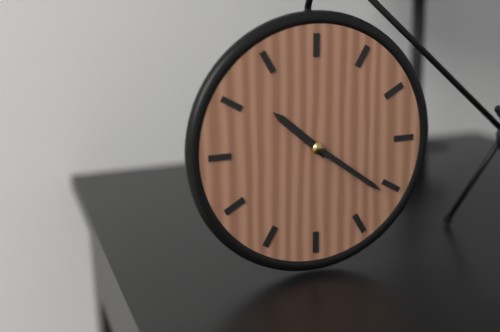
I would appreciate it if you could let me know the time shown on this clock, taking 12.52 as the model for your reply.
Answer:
10.21
